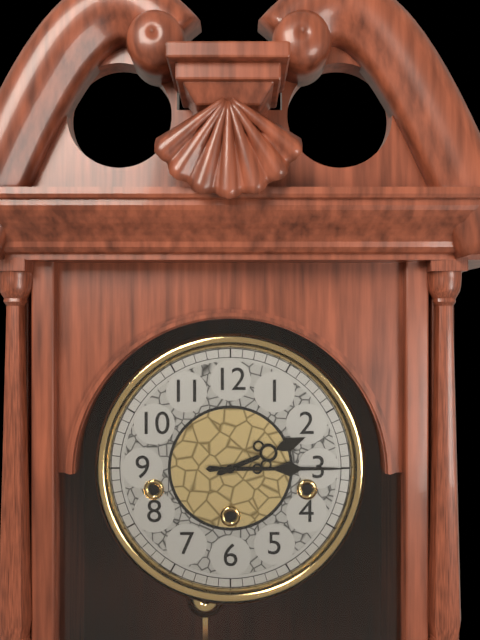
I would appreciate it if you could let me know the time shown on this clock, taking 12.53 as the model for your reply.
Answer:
2.15
